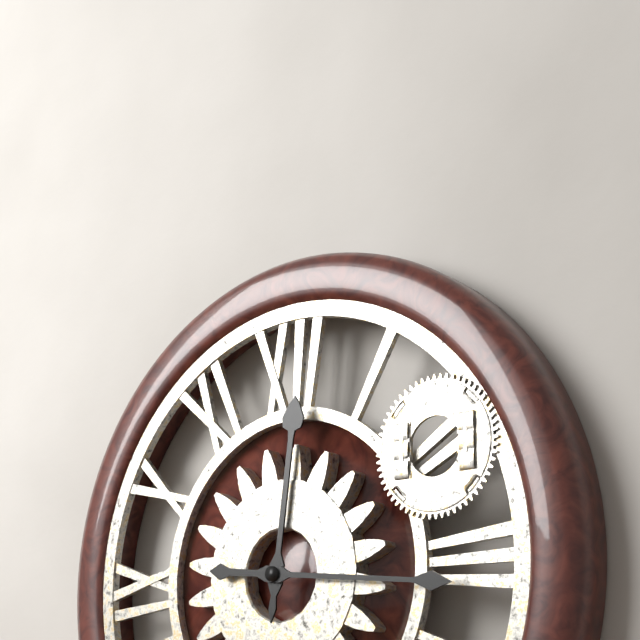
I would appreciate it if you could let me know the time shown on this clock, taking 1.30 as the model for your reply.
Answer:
12.16
